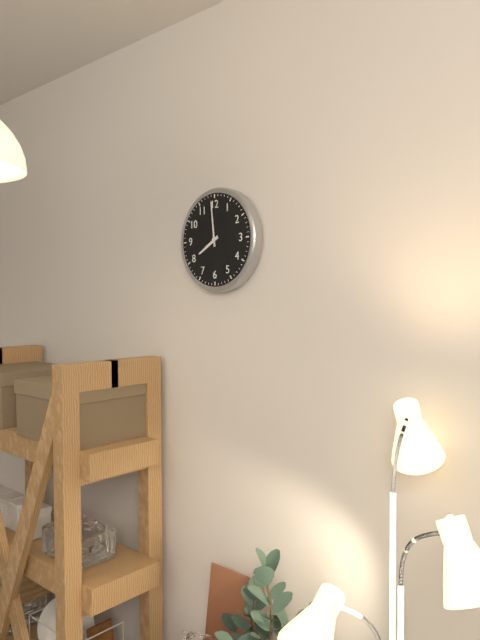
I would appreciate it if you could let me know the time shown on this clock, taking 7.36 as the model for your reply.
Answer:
7.59
